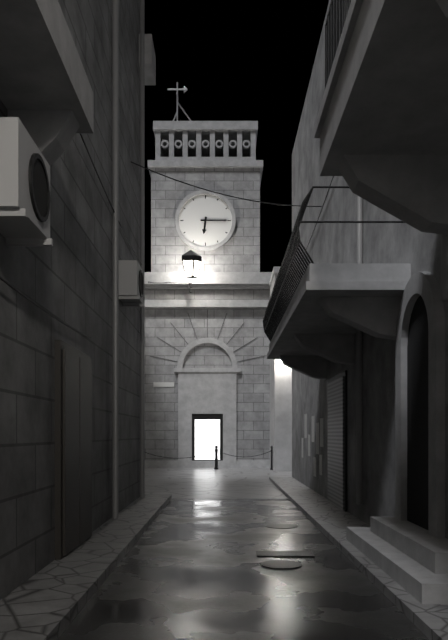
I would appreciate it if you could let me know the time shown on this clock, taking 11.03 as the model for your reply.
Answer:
6.15
